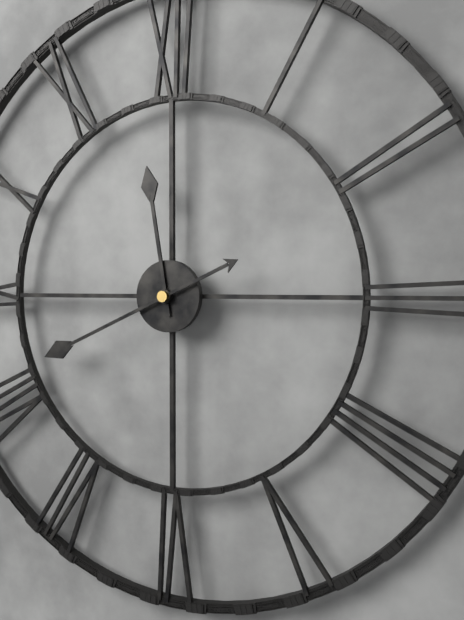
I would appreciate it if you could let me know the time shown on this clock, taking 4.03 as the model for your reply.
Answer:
11.41
